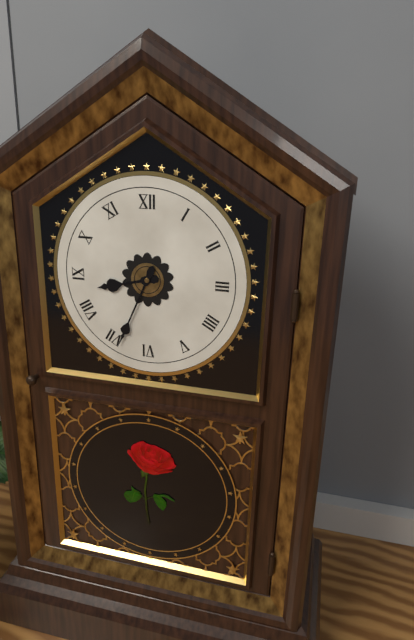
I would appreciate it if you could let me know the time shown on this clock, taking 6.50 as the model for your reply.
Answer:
8.34
